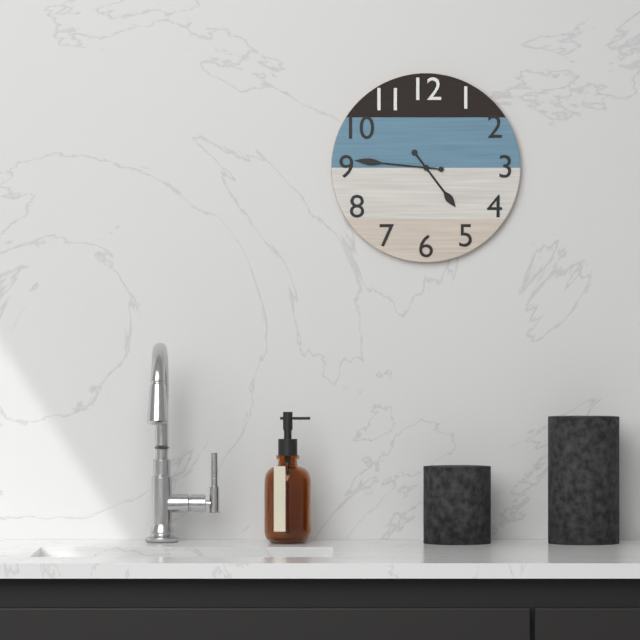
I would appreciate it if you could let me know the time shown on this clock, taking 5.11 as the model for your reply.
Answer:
4.46
